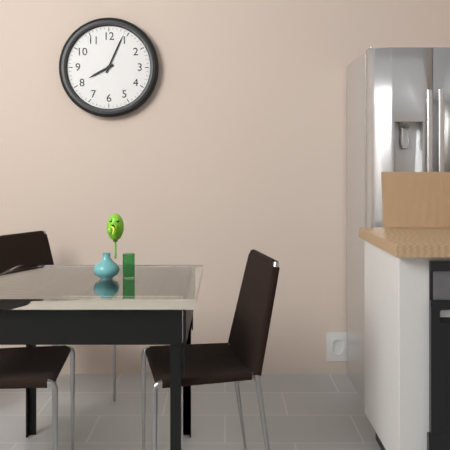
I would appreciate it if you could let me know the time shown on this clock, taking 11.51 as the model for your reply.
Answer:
8.04
